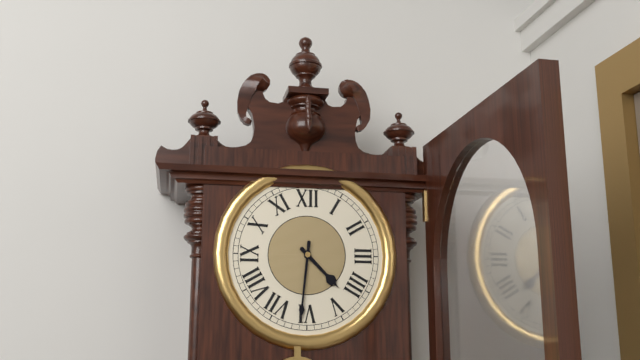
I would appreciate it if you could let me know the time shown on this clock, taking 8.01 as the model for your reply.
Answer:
4.31
